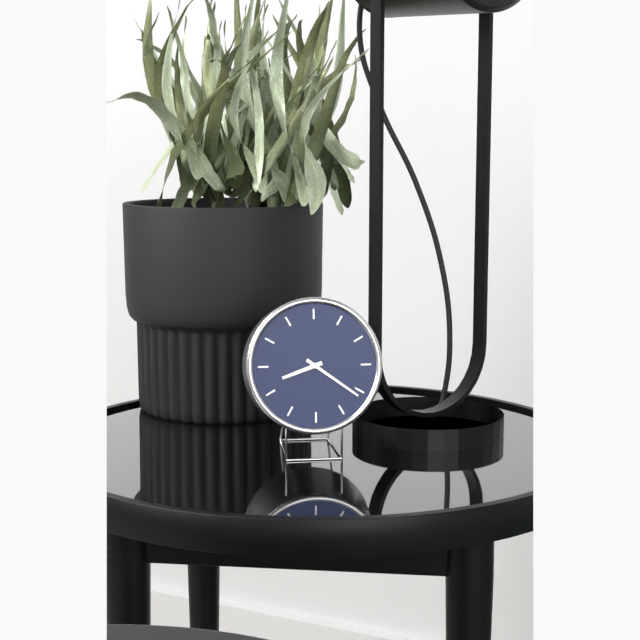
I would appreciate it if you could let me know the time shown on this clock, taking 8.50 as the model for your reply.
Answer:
8.21
